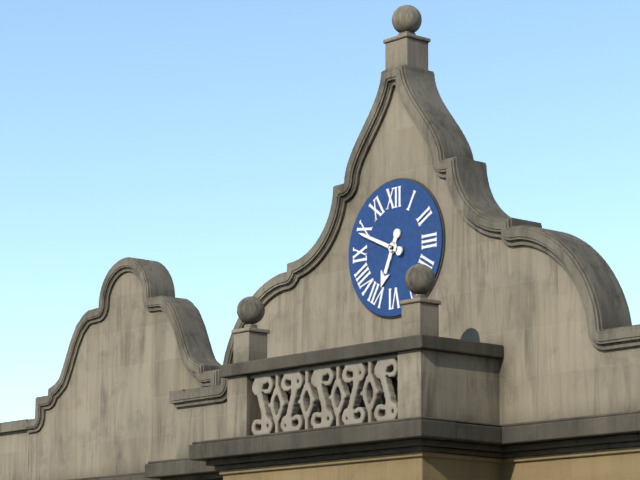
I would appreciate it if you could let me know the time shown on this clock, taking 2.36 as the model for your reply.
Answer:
6.49
